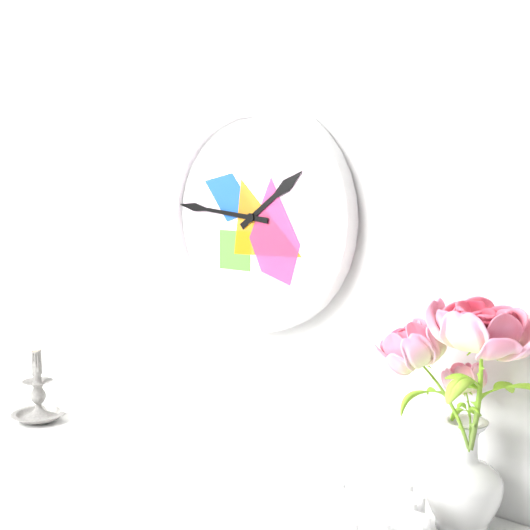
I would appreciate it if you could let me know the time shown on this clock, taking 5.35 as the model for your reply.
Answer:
1.46
